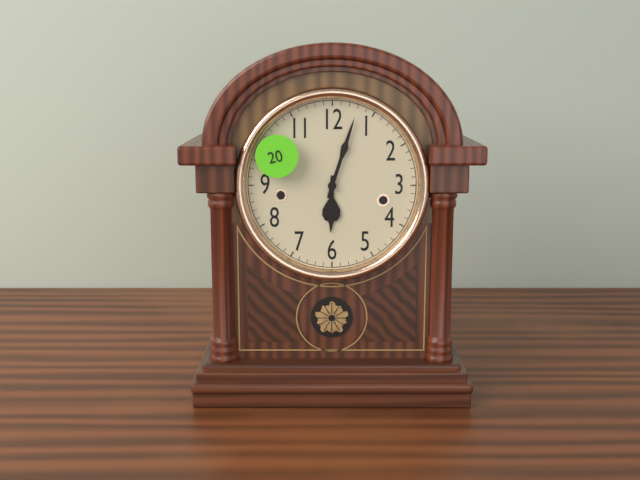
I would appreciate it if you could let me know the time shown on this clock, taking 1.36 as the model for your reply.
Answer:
6.03
